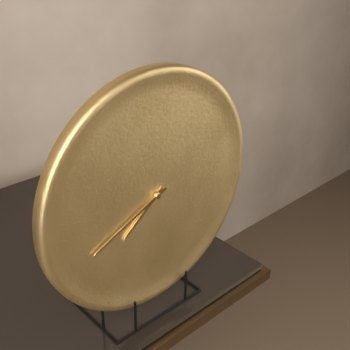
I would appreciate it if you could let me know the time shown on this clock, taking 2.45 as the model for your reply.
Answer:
7.41
